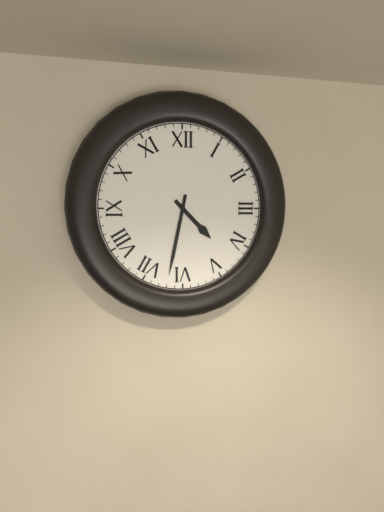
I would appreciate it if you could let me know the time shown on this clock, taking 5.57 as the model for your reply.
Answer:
4.32
